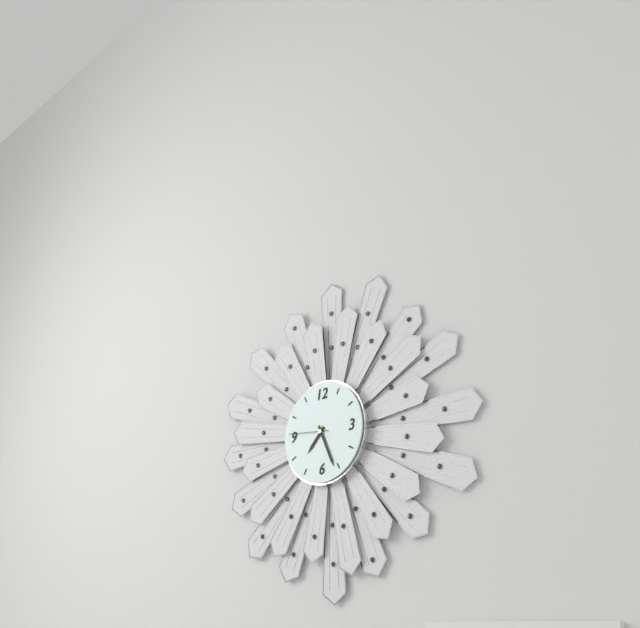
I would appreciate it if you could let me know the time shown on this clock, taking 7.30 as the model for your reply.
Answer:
7.26
